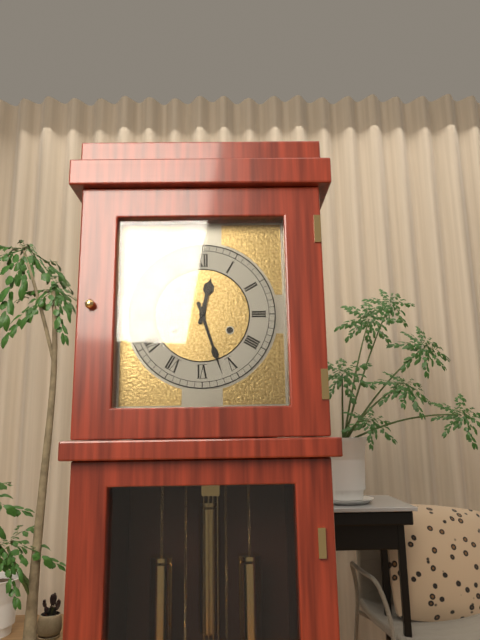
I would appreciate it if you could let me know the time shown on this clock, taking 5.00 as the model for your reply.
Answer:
12.27
